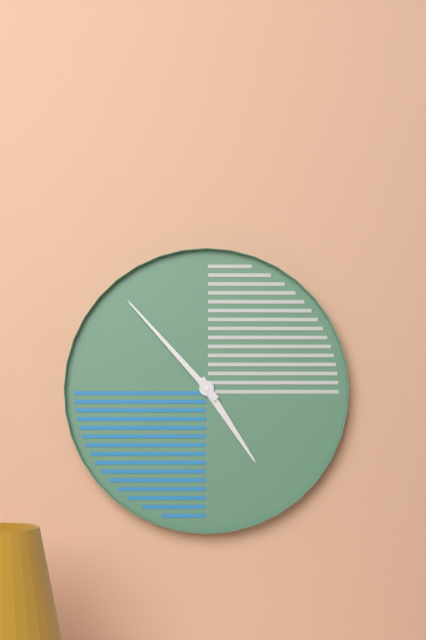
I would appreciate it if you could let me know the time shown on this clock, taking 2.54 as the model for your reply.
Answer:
4.53
